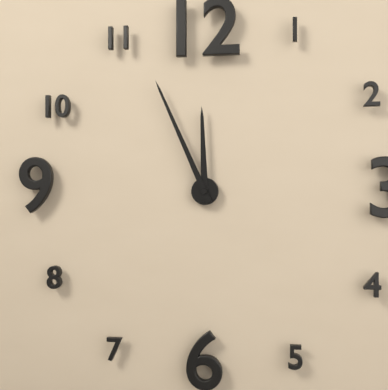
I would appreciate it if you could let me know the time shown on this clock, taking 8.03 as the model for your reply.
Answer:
11.56
